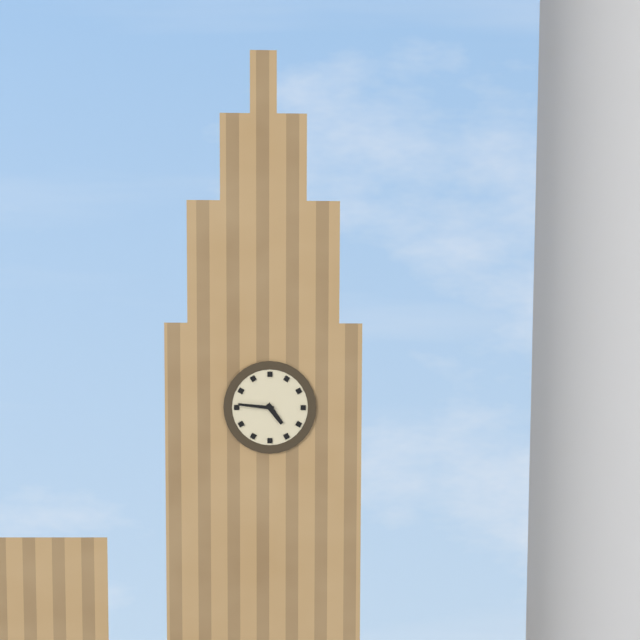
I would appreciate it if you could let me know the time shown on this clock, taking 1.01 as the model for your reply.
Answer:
4.46
